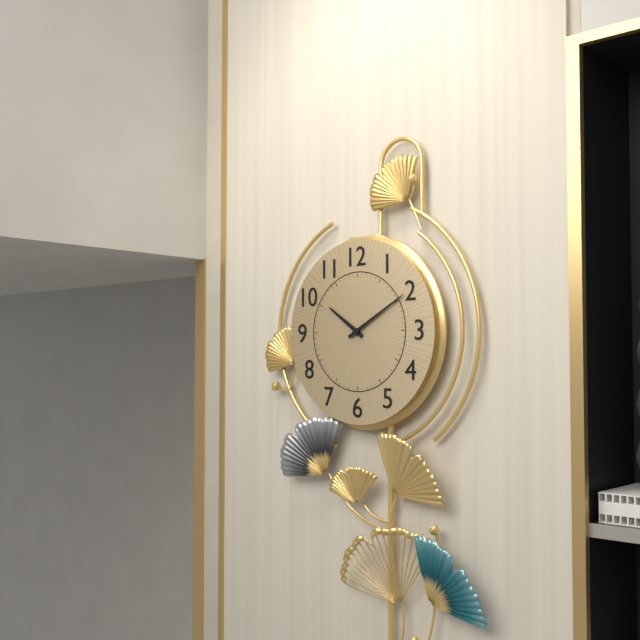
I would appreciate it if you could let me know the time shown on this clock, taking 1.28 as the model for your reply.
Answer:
10.10
